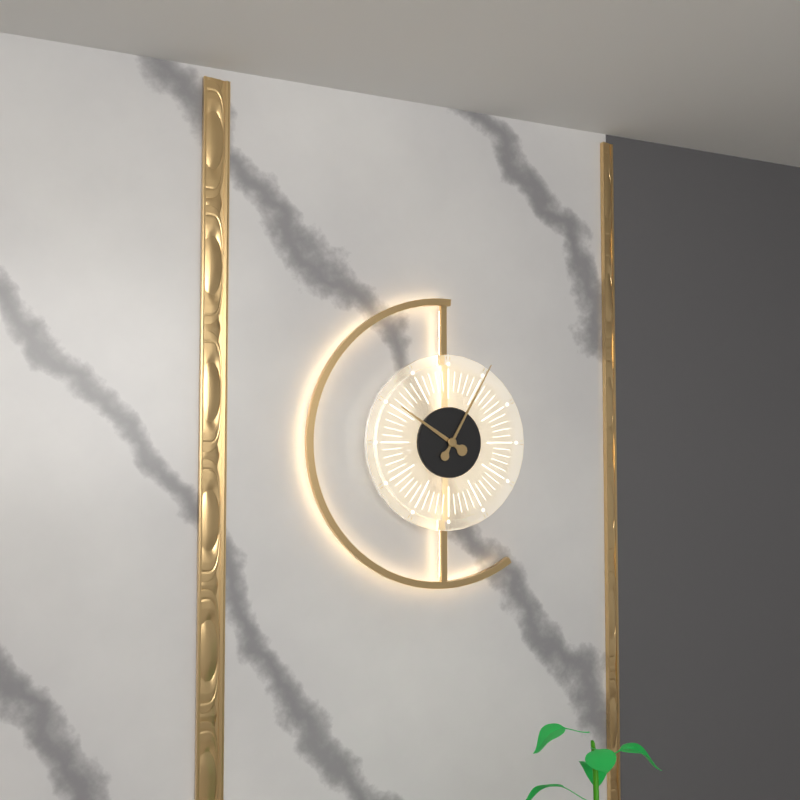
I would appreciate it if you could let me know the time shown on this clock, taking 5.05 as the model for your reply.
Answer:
10.05
